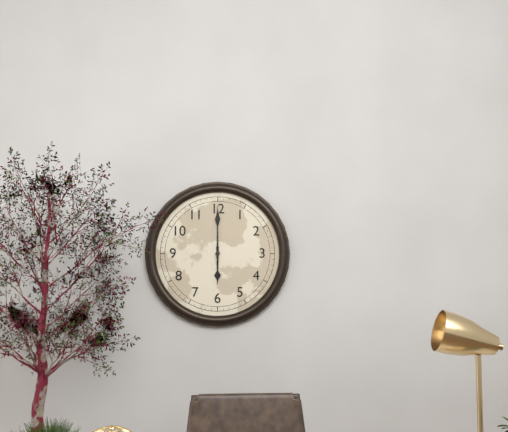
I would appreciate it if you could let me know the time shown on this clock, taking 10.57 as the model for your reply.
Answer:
6.00
